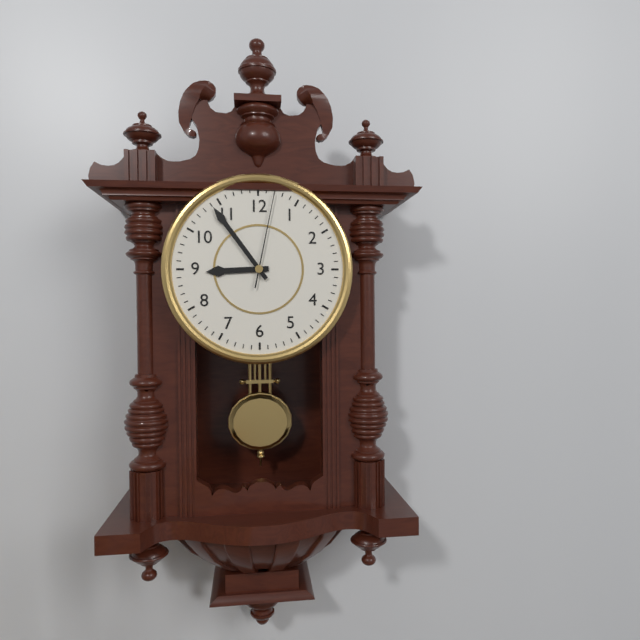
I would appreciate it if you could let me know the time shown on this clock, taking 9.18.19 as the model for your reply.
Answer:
8.54.02
